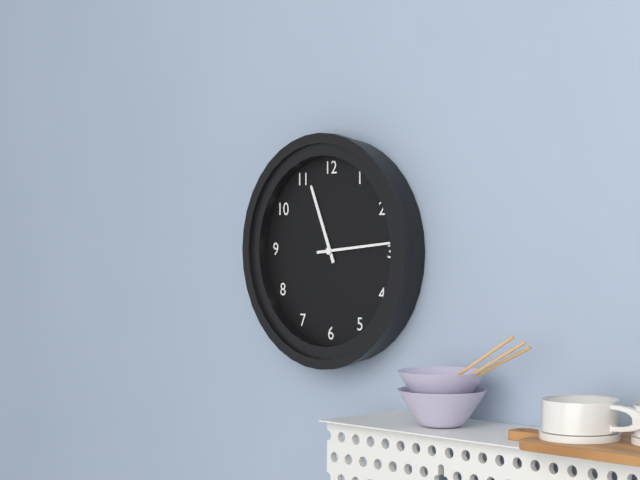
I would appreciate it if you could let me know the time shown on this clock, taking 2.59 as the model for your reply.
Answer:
11.14
